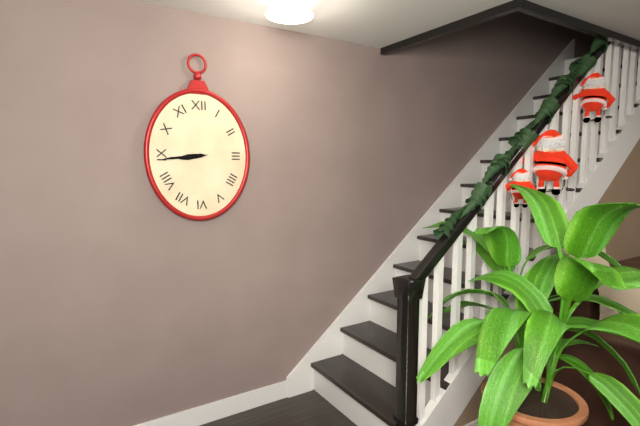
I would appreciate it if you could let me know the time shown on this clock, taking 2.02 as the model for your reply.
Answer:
8.44
